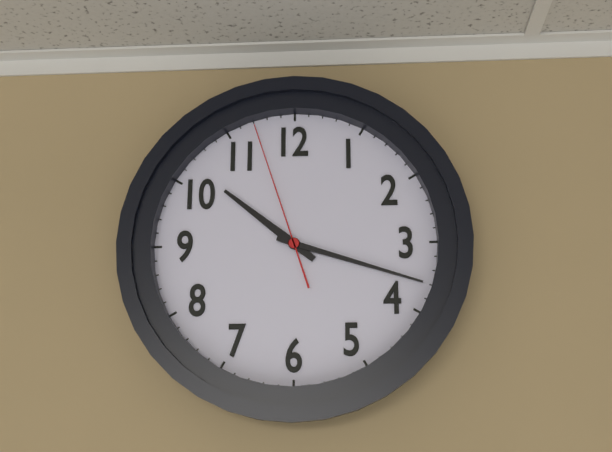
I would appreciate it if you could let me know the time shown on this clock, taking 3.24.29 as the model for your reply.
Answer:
10.18.57
